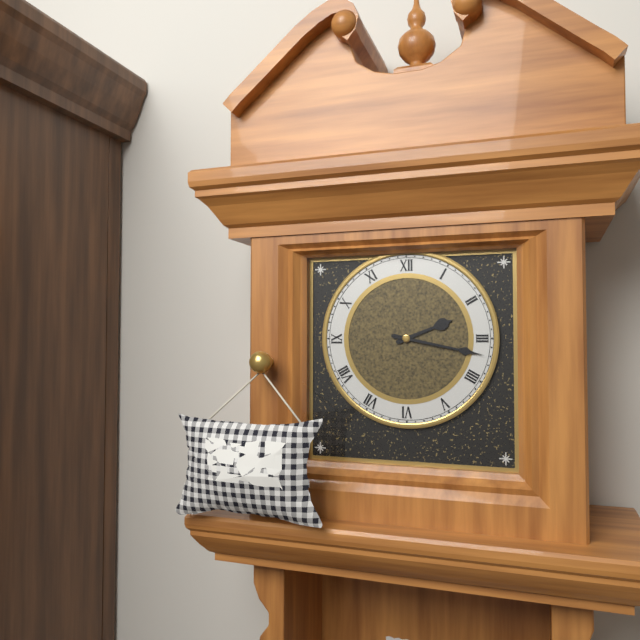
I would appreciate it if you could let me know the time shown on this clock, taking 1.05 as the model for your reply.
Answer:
2.17
